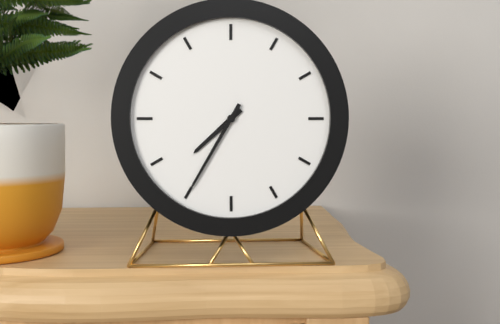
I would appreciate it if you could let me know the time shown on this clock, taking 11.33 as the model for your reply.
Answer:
7.35
